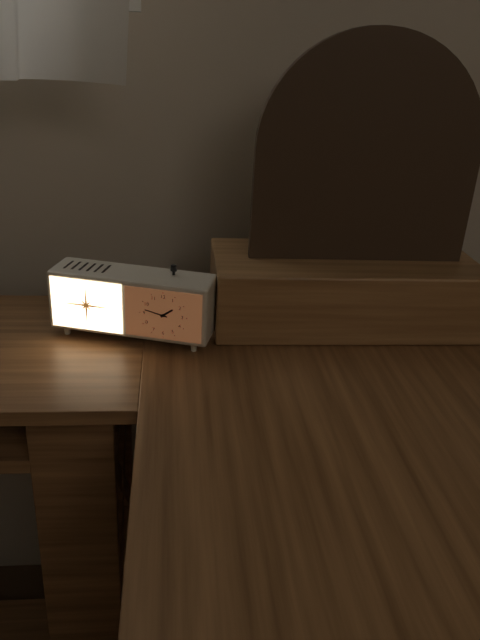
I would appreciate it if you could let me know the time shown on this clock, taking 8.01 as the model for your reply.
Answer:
1.47
